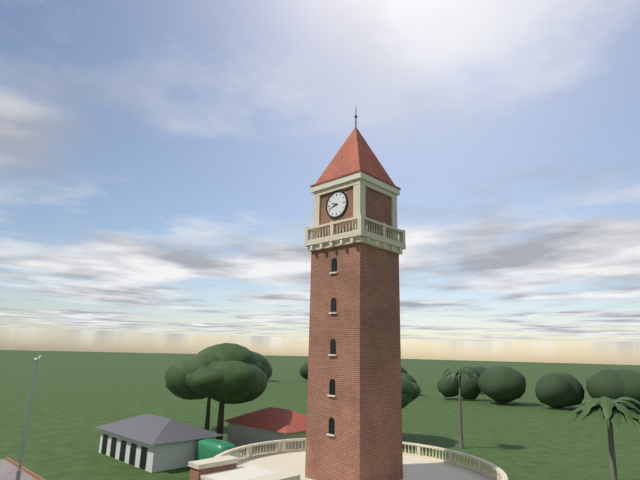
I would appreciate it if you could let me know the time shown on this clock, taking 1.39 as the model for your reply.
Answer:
9.42
